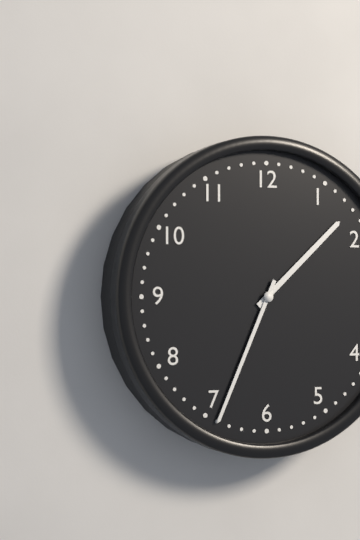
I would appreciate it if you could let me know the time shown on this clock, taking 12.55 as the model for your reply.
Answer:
1.34
